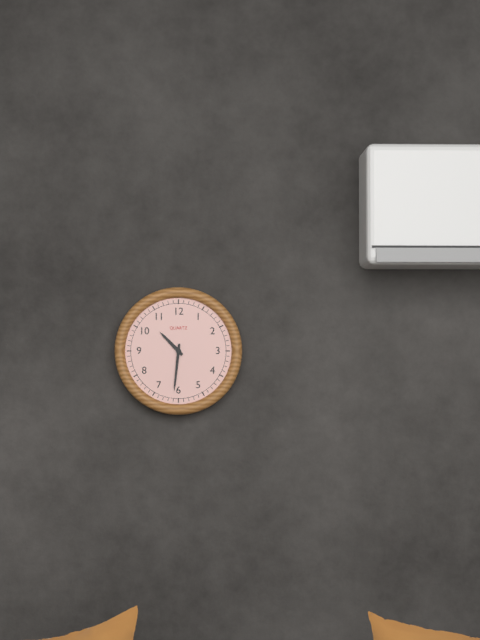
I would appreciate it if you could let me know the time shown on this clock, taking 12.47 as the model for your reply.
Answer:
10.31
